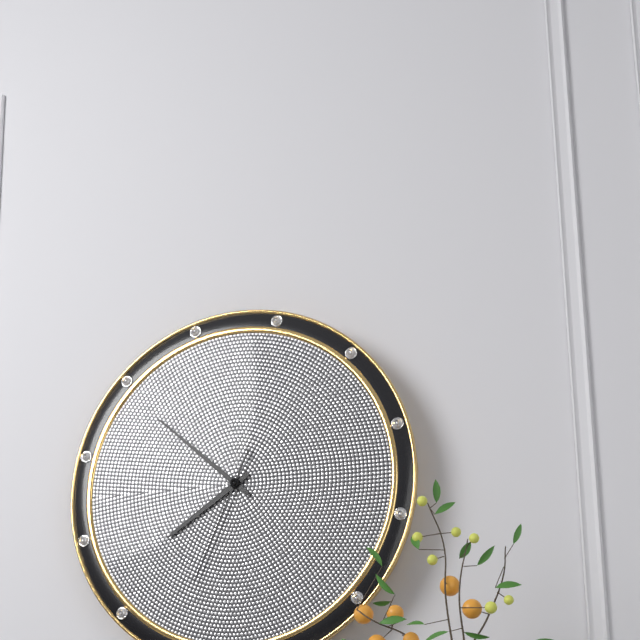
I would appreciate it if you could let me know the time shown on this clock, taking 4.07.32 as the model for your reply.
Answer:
7.52.34
